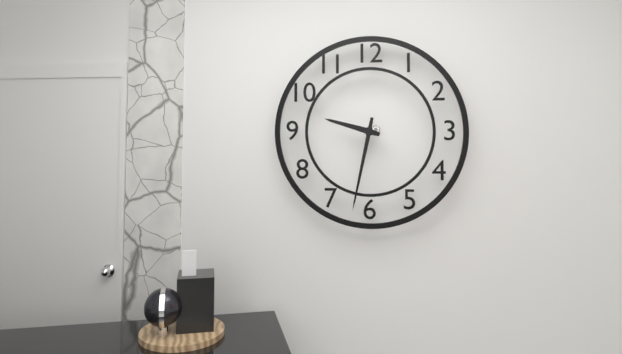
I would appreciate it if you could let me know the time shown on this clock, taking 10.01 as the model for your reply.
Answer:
9.32
